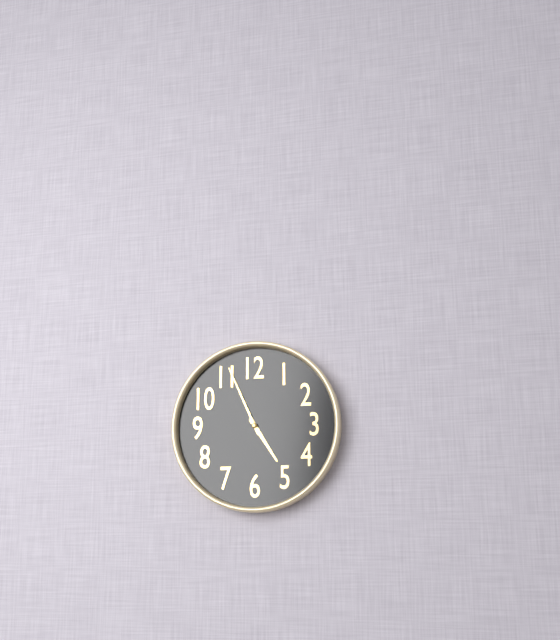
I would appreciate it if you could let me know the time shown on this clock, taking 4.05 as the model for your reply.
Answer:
4.56
